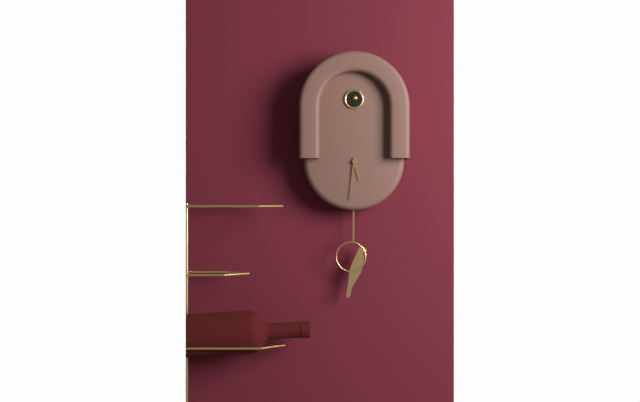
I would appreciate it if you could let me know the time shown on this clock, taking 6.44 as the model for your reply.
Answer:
5.31
